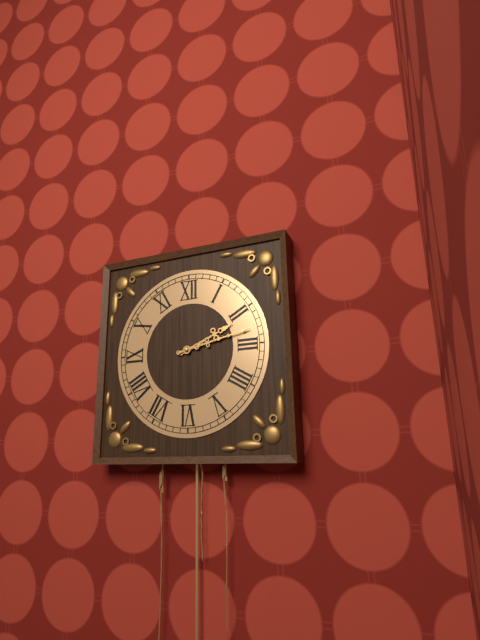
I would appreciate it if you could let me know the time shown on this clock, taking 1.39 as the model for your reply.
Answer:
2.13
